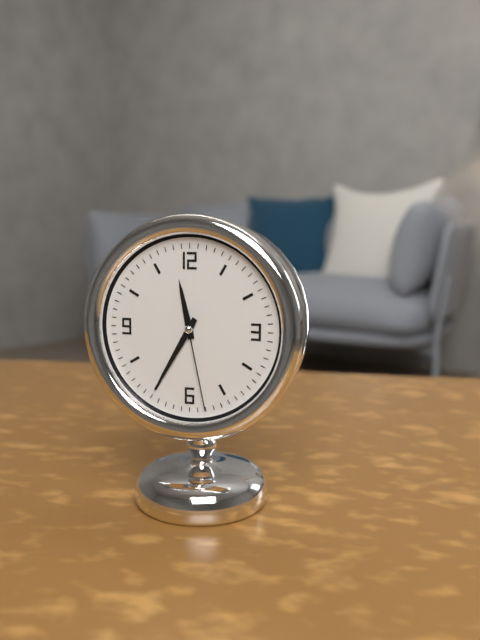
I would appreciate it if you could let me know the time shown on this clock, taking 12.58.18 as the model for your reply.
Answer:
11.35.28
